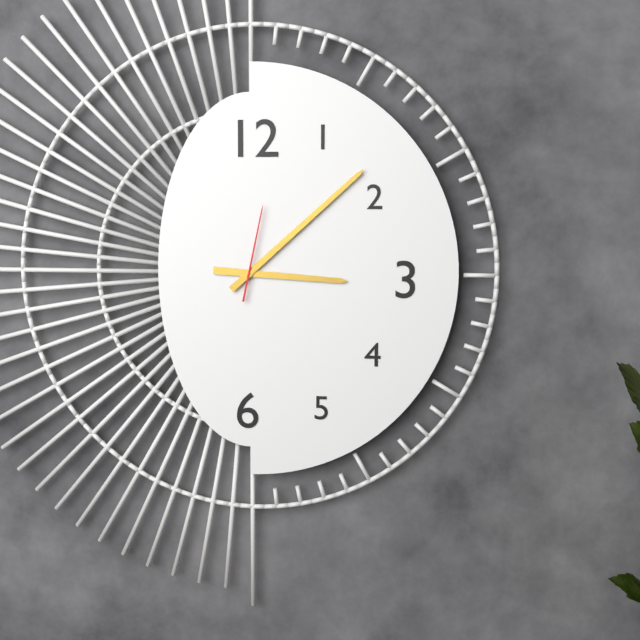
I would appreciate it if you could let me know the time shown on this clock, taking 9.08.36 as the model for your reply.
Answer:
3.08.02
